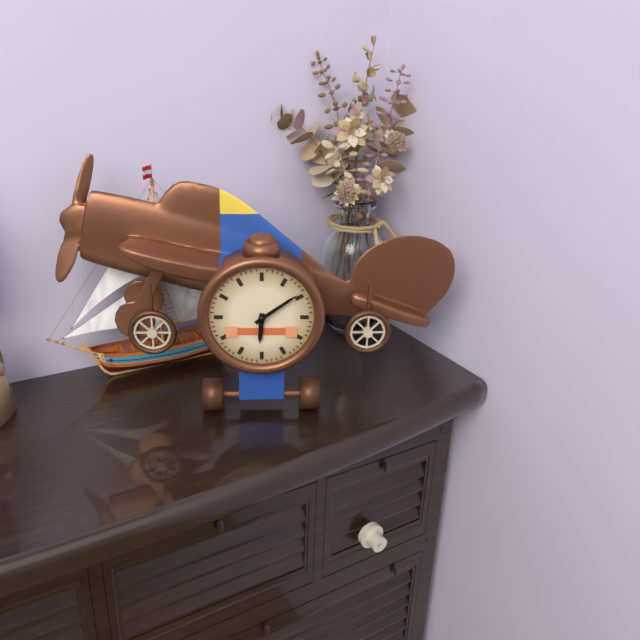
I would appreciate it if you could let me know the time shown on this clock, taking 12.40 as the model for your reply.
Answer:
6.09
